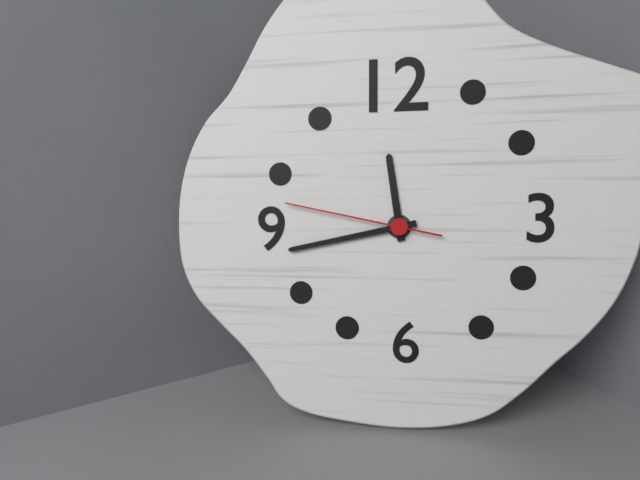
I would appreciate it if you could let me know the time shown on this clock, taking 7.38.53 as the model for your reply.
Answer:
11.43.47
